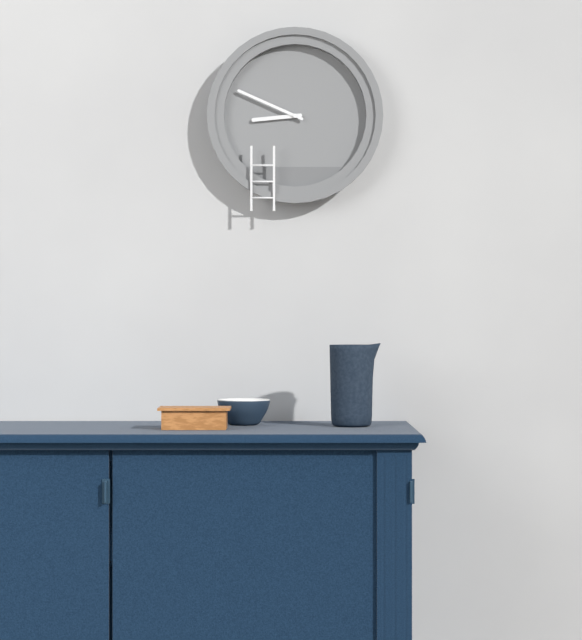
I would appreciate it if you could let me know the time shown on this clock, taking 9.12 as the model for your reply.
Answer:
8.49
